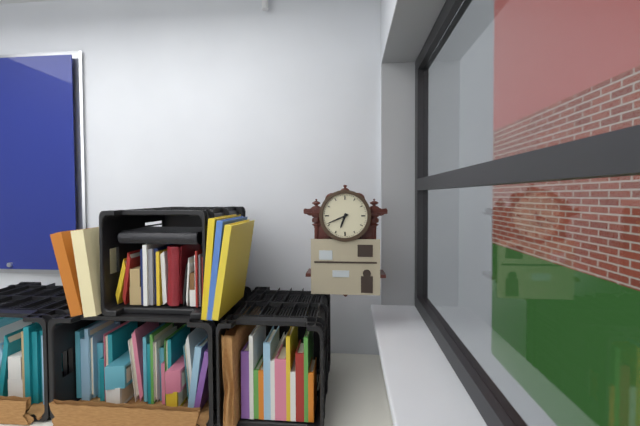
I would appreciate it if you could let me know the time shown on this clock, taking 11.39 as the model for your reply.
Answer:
6.41
